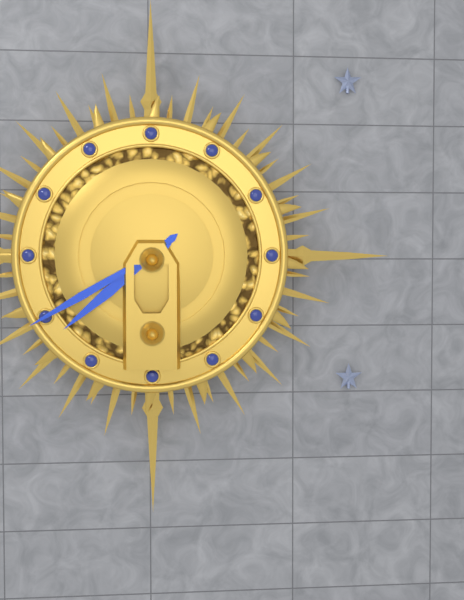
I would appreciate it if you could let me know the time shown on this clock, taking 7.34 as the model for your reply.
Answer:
7.40
